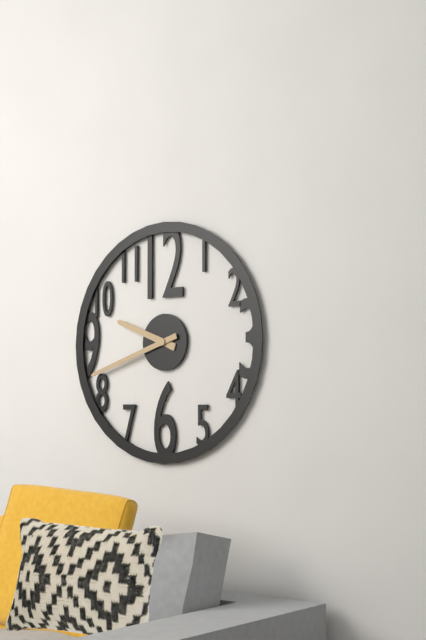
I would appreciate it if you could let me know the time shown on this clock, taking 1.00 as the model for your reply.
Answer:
9.42
